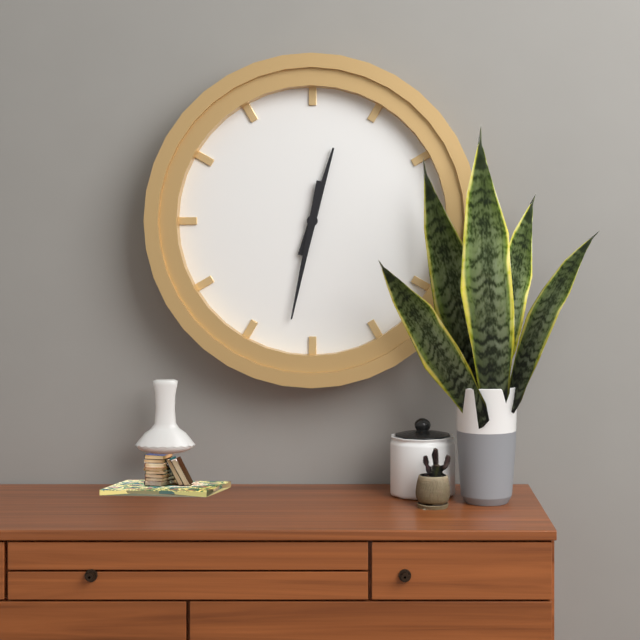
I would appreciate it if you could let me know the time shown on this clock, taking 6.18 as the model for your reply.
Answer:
12.32
